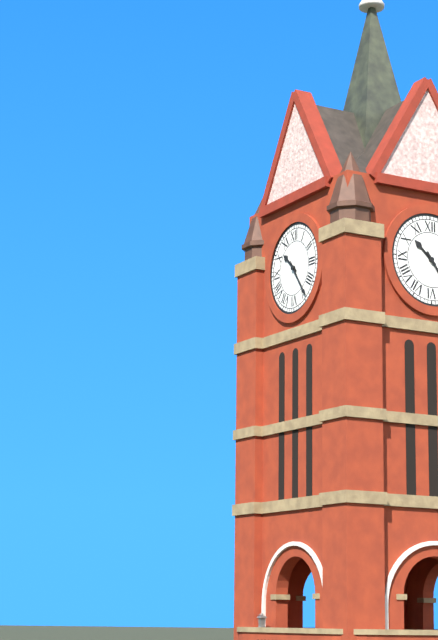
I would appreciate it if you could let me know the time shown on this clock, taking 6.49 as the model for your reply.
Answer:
10.24
